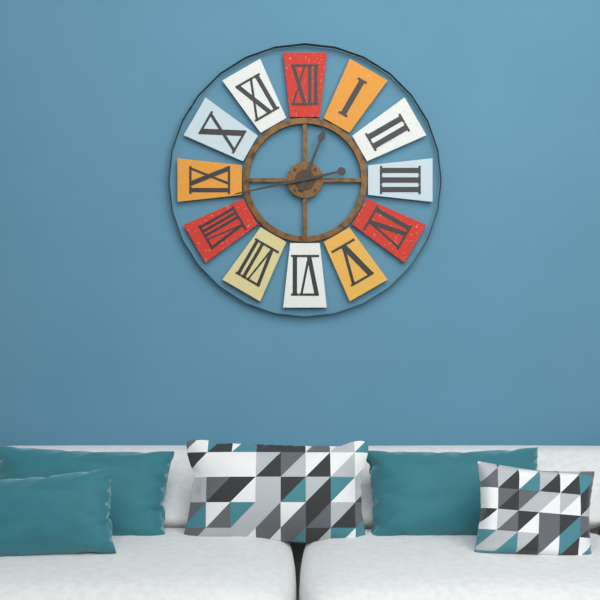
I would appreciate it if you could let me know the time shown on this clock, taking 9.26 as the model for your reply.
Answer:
12.43
